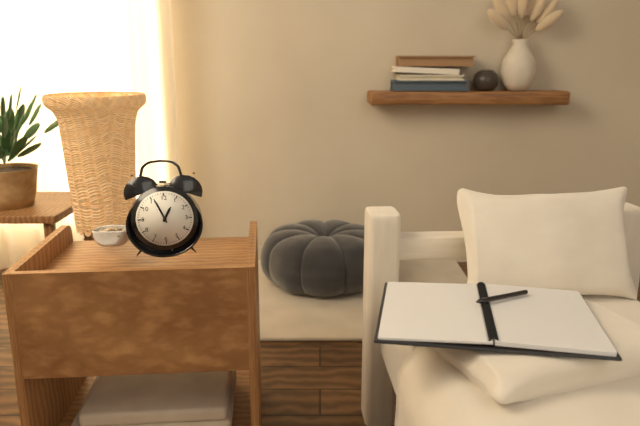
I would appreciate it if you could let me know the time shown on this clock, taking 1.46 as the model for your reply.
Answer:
12.56
